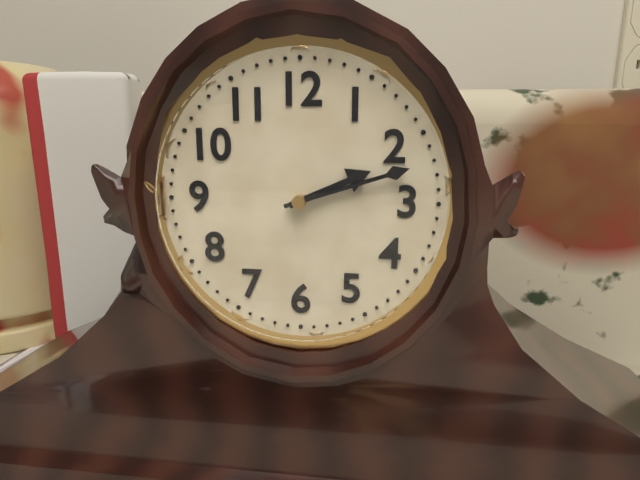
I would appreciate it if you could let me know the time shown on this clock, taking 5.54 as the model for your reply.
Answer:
2.12
